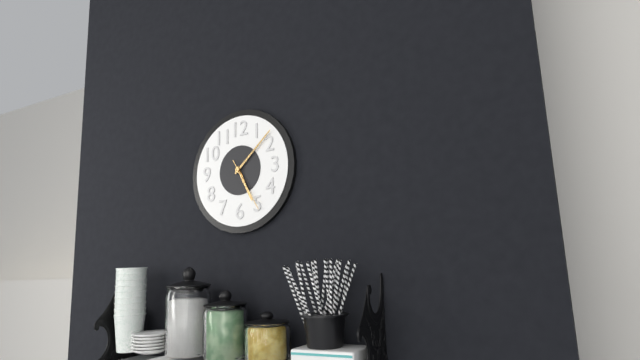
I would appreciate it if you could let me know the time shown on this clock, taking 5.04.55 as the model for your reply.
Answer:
5.08.25
